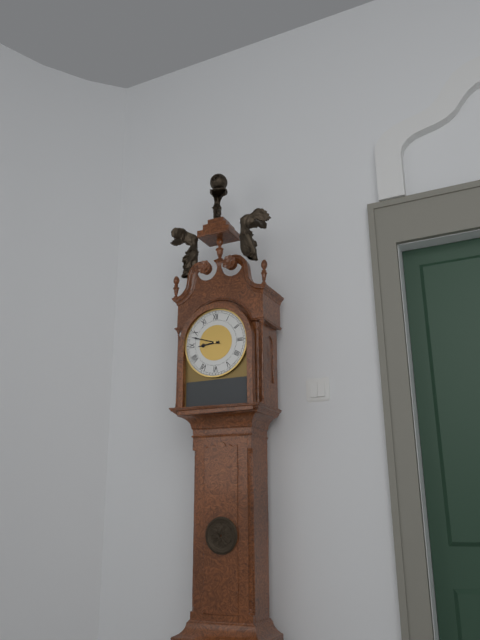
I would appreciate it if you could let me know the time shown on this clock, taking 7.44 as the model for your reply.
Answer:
8.48
